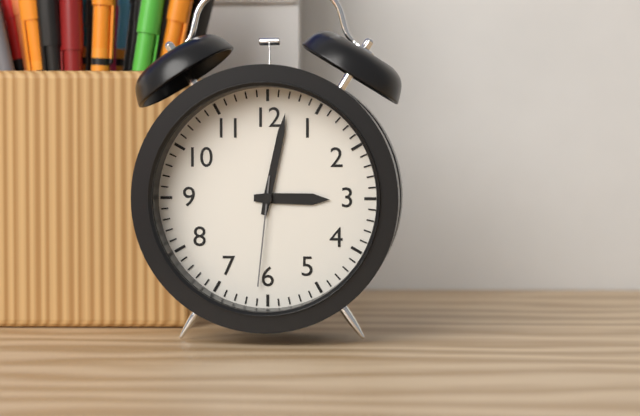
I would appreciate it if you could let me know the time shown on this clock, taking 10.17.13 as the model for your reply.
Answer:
3.02.31
